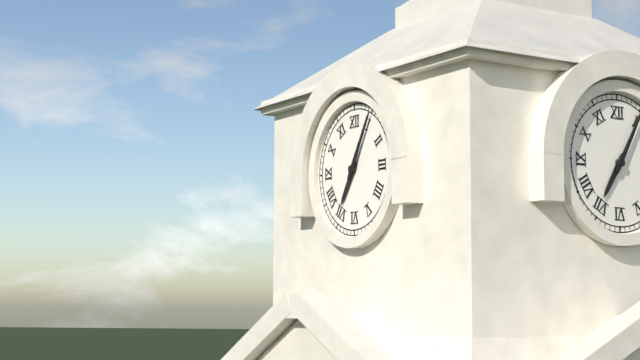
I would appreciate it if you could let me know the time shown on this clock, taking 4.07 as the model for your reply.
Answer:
7.05
